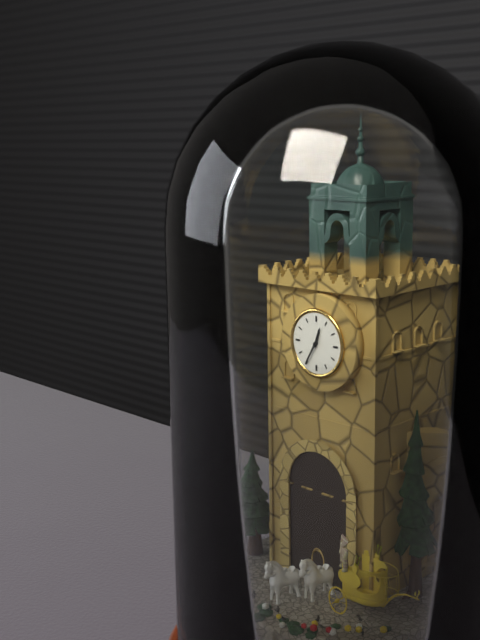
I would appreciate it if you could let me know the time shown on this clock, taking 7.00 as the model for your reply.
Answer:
12.35
